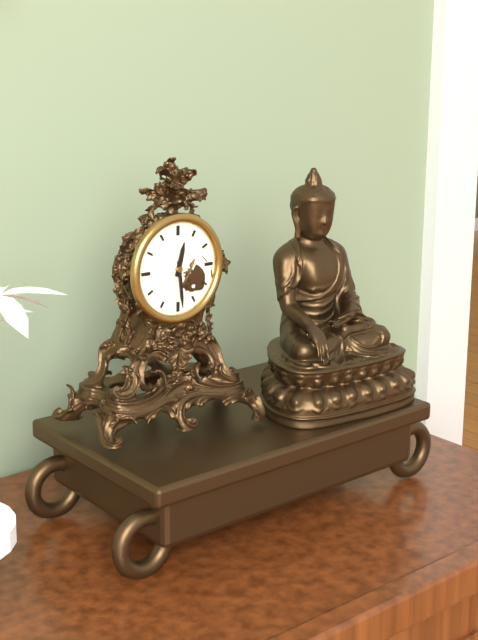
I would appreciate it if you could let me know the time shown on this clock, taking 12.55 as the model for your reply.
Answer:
12.29
